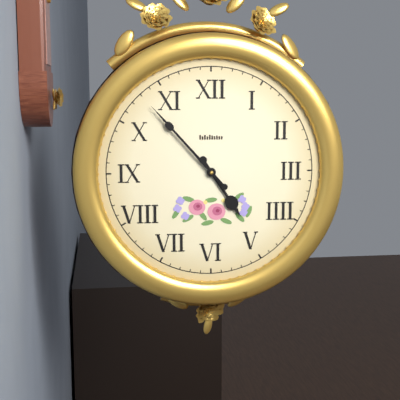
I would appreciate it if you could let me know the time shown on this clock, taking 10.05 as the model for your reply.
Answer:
4.53
